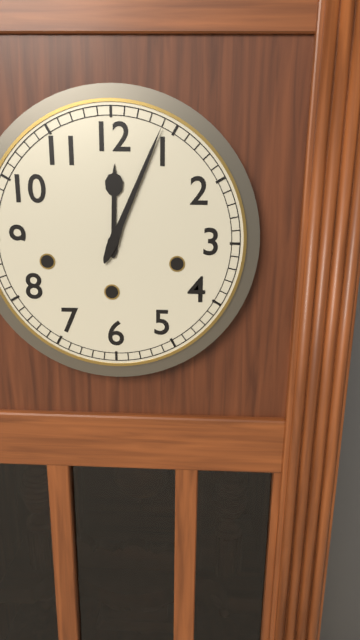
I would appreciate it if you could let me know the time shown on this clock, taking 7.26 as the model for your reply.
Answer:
12.04
